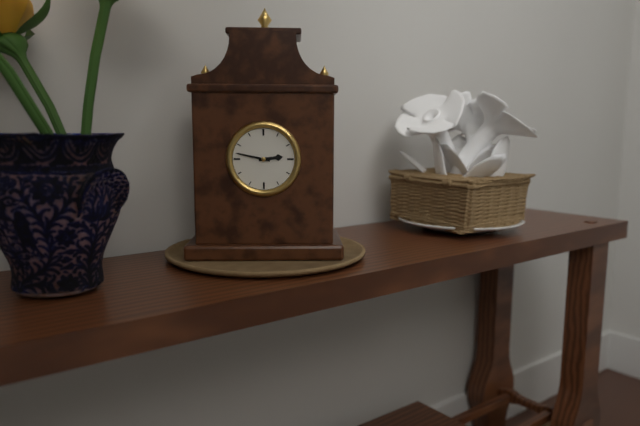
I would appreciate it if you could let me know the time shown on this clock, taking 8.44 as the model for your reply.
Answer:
2.47
